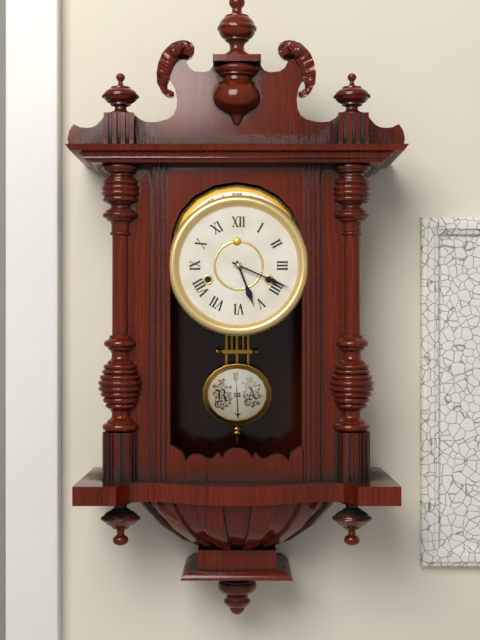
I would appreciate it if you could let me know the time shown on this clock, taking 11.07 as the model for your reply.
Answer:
5.19
